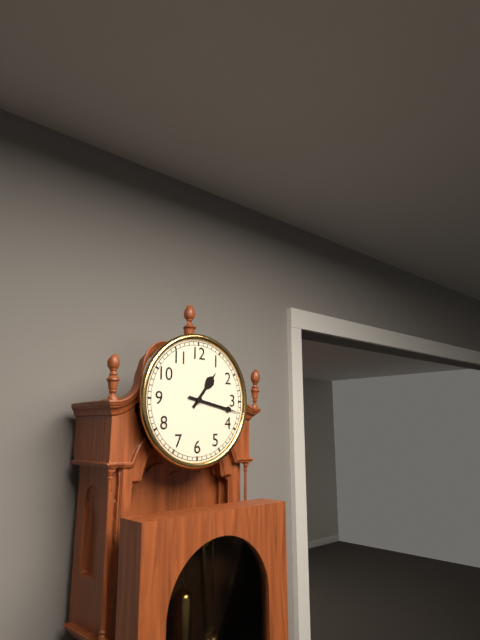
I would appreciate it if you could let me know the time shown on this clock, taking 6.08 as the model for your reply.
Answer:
1.17
